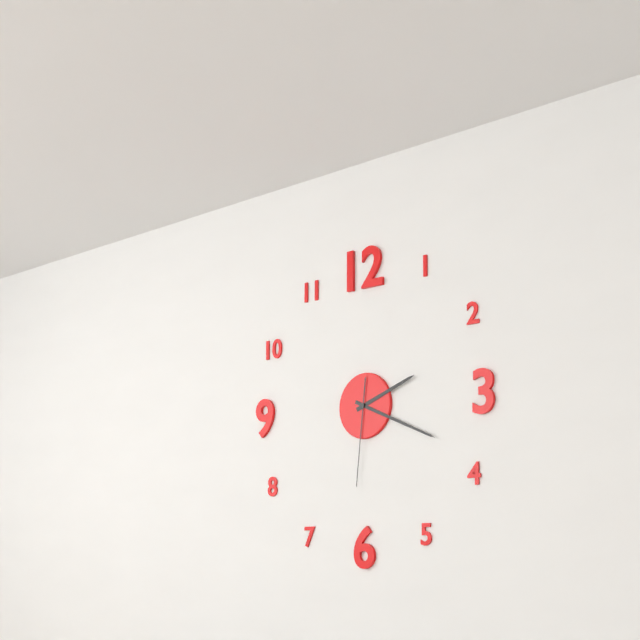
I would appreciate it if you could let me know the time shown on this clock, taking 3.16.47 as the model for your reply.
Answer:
2.19.31
